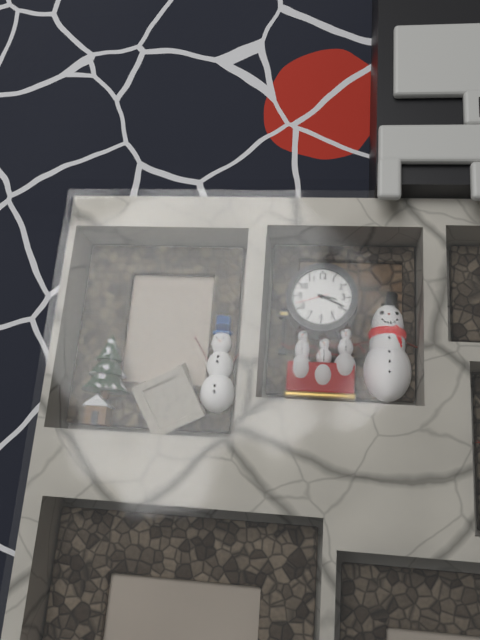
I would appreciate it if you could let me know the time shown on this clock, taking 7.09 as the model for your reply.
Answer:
3.19
